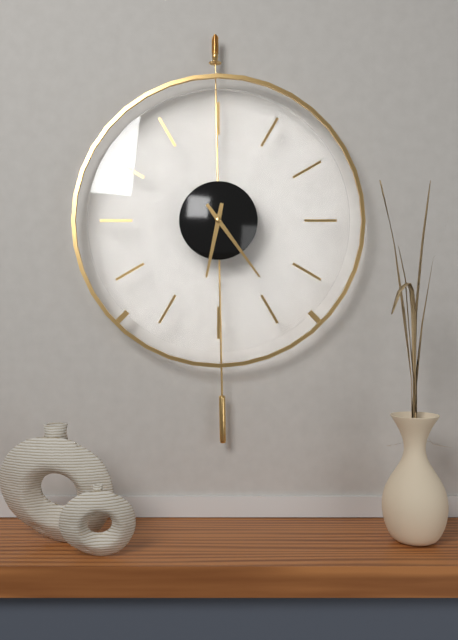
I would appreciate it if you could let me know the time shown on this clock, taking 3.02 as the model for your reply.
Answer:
6.24
